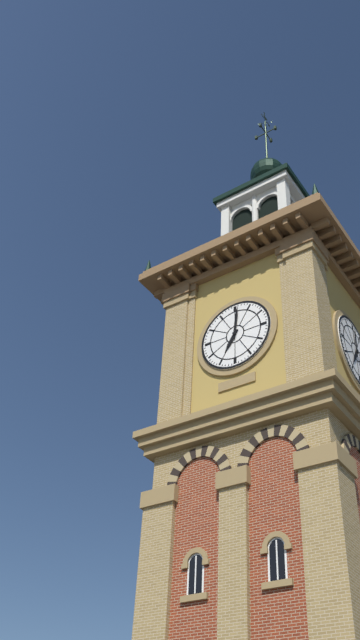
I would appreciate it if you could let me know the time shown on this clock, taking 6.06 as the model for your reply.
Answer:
7.01
